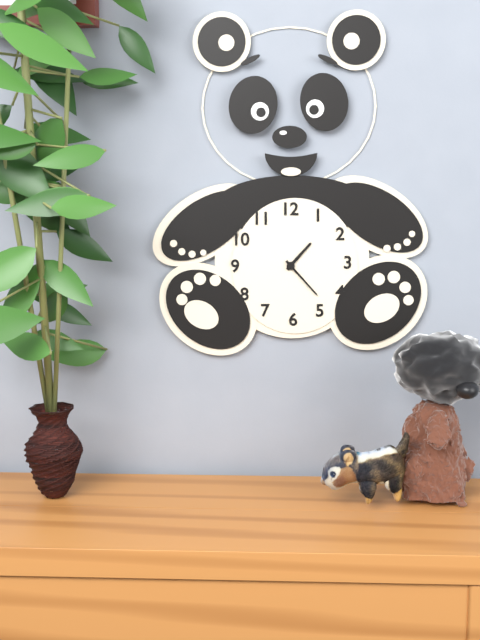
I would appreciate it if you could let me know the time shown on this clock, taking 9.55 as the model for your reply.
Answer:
1.23
